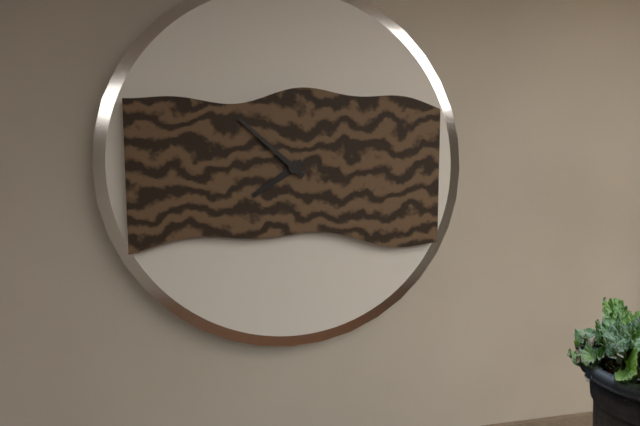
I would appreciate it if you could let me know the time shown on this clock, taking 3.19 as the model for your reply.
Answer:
7.52
